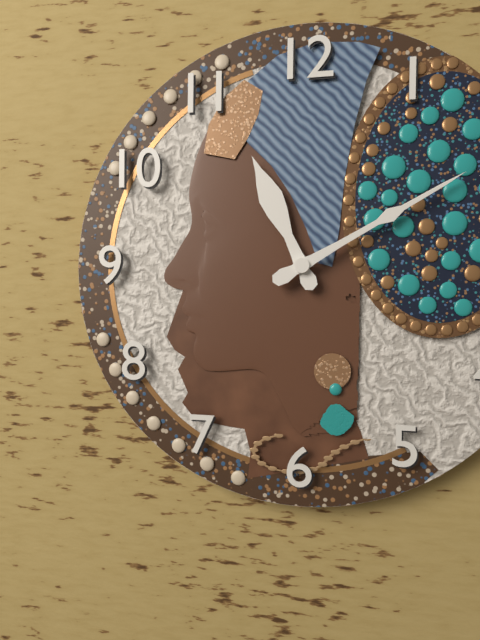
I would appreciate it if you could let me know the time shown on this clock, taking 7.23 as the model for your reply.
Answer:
11.10
